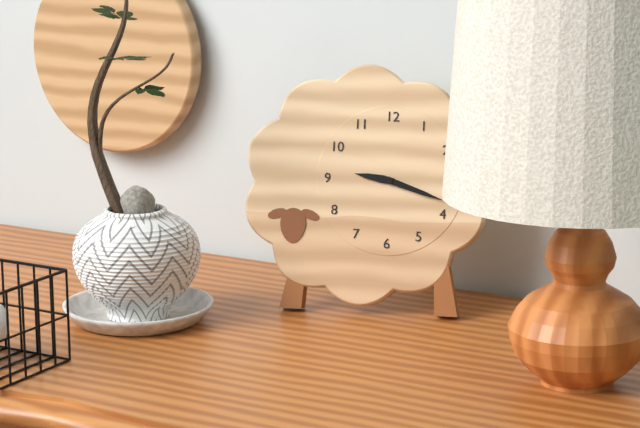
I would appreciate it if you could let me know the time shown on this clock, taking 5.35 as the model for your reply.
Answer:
9.18
